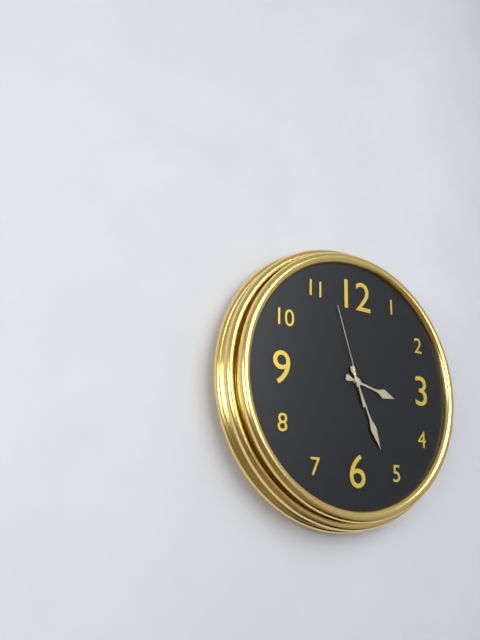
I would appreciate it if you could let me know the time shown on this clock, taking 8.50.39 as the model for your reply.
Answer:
3.26.57
